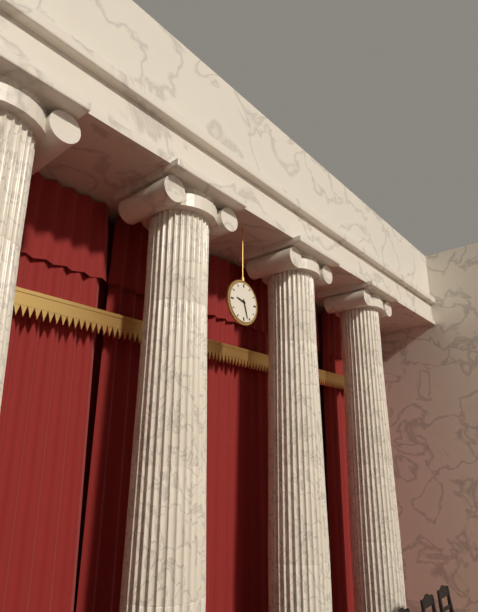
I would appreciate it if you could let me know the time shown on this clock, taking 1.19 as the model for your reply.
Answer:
9.27
